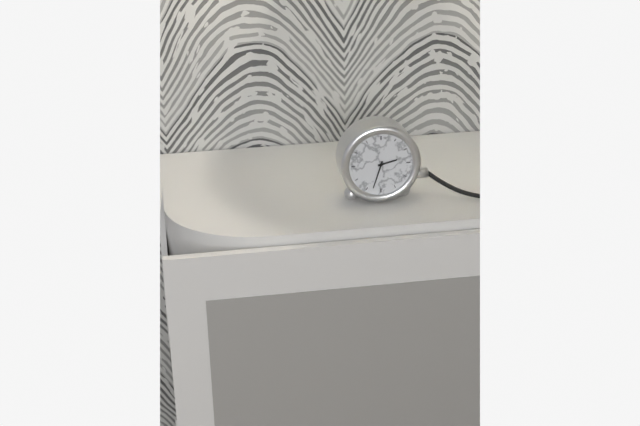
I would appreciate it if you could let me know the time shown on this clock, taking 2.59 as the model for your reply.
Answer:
2.33
